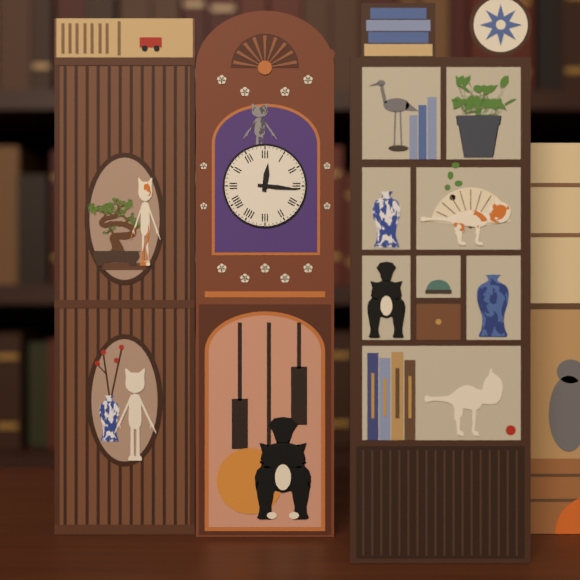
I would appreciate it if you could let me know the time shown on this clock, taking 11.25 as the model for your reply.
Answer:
12.16
